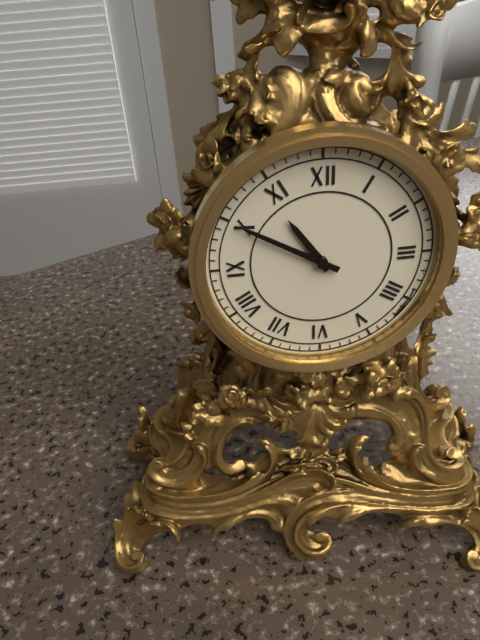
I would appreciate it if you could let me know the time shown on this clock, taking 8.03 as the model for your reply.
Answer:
10.50
